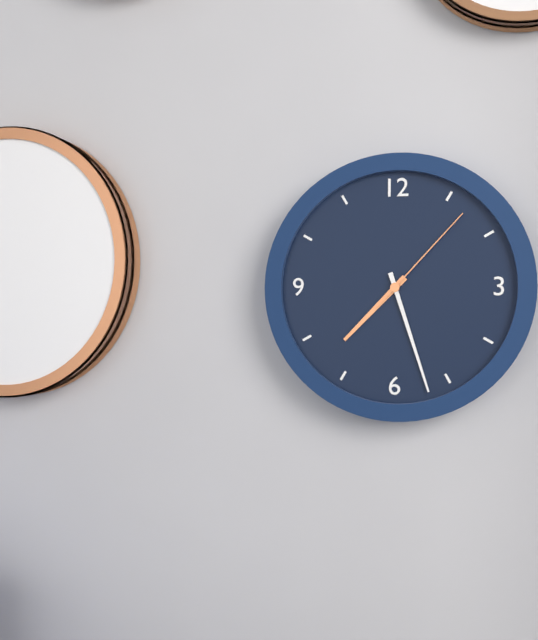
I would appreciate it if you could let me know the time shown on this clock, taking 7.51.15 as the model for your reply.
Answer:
7.27.07
